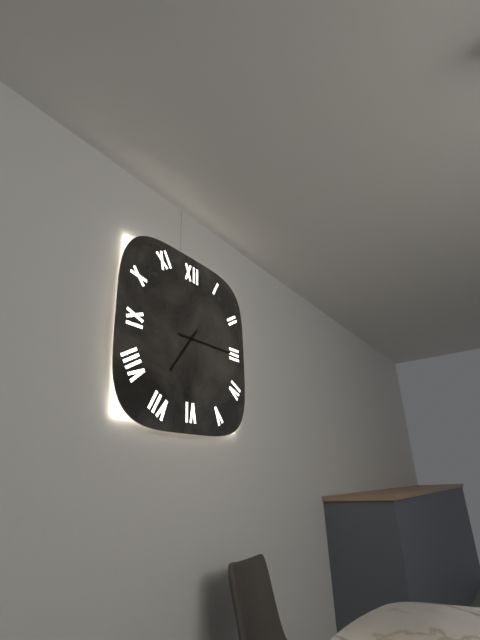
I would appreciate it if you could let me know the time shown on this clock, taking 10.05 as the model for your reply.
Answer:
7.15
